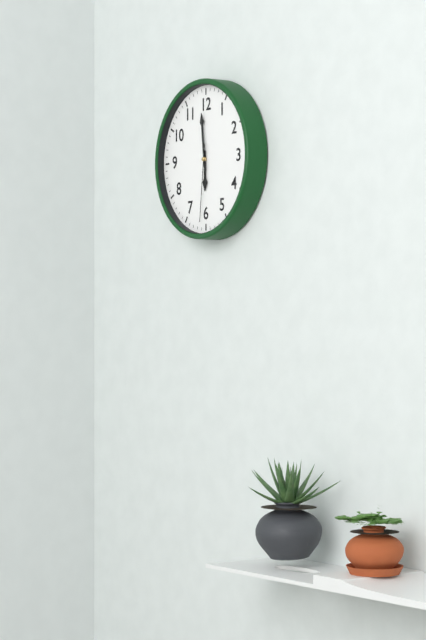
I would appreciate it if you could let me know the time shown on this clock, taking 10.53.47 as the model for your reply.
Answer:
5.59.31
